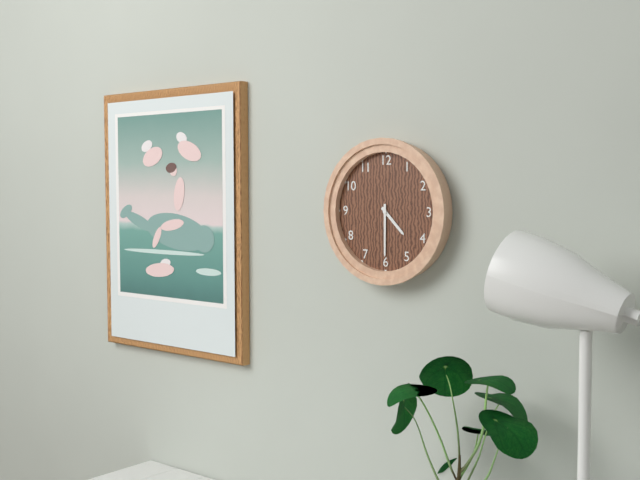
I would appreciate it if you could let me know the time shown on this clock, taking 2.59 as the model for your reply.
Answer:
4.30
